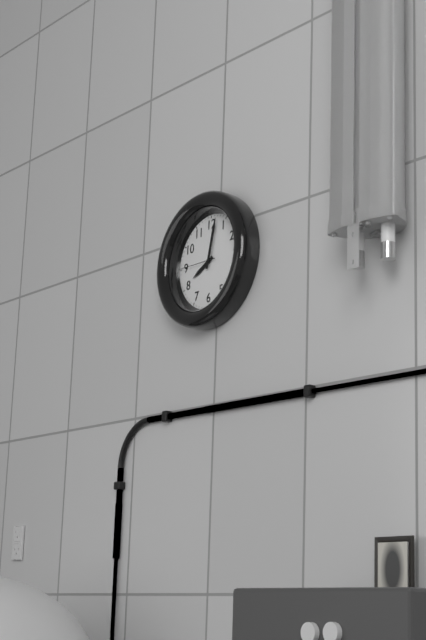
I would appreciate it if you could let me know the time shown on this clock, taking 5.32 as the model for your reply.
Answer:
8.02
